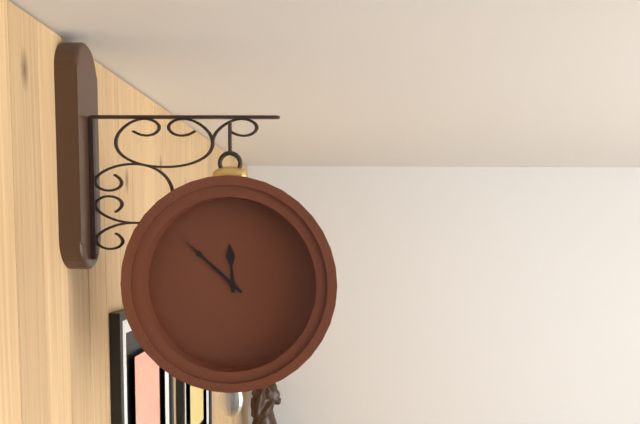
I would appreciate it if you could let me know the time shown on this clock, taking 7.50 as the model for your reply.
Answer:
11.52
